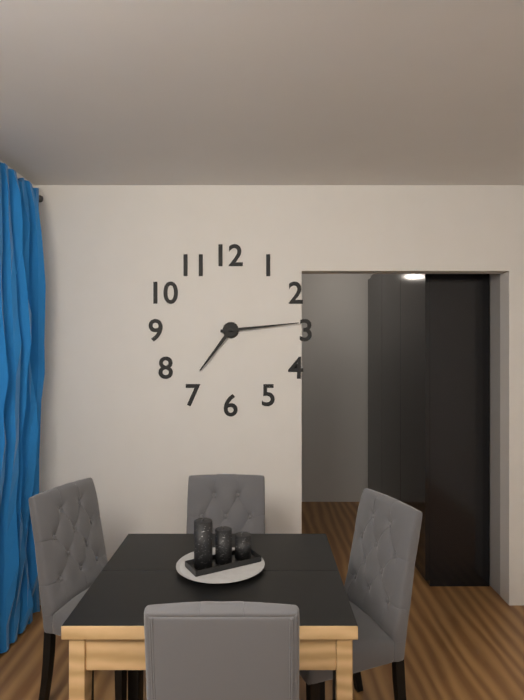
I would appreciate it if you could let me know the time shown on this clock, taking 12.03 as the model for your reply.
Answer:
7.14
